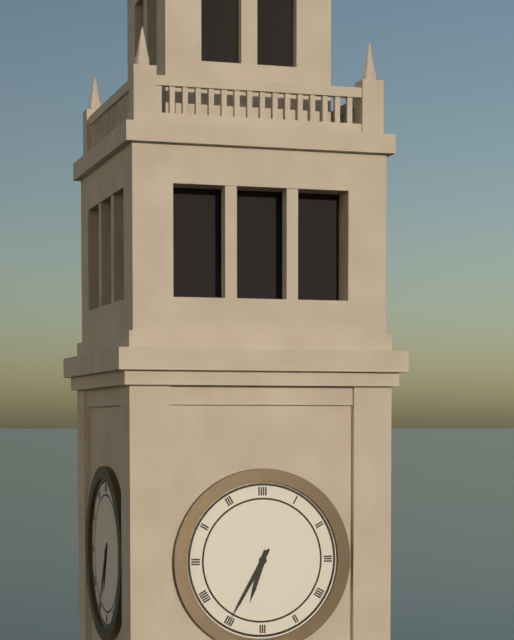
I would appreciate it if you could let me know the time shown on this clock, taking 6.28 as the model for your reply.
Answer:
6.35
